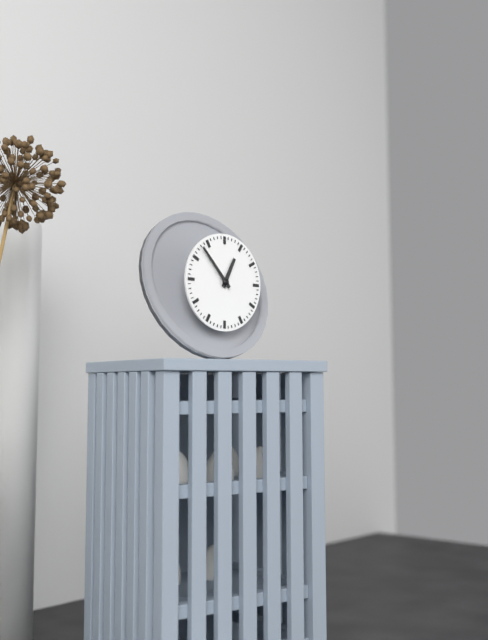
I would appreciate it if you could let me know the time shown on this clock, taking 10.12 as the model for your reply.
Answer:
12.53
